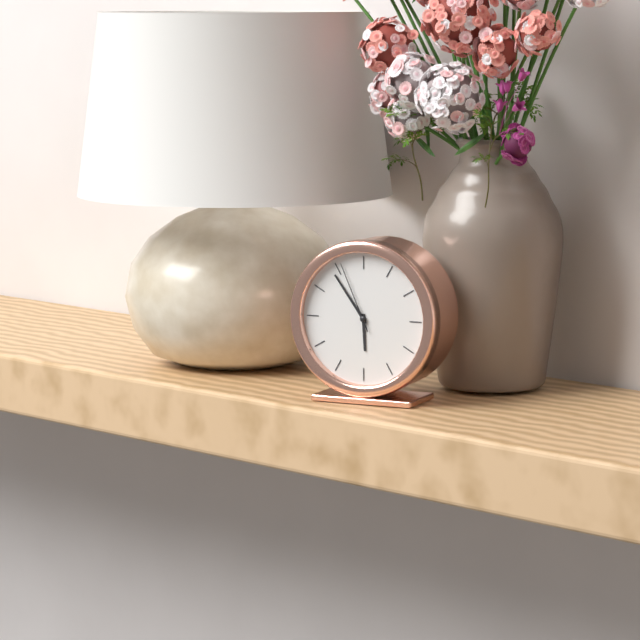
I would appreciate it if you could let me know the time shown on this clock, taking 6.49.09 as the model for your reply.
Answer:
5.54.56
